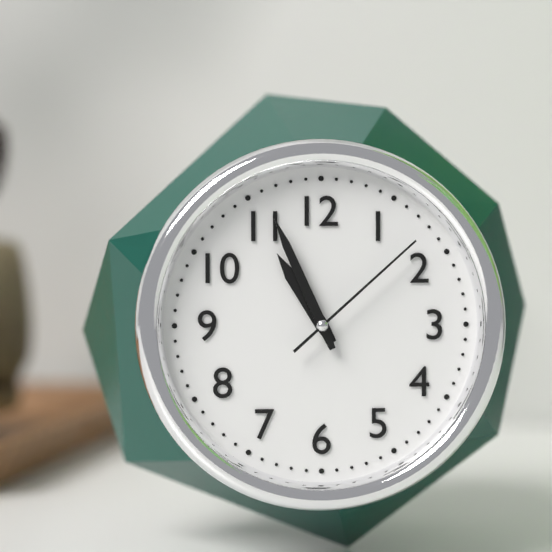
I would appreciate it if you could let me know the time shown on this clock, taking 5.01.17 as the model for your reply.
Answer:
10.56.08
